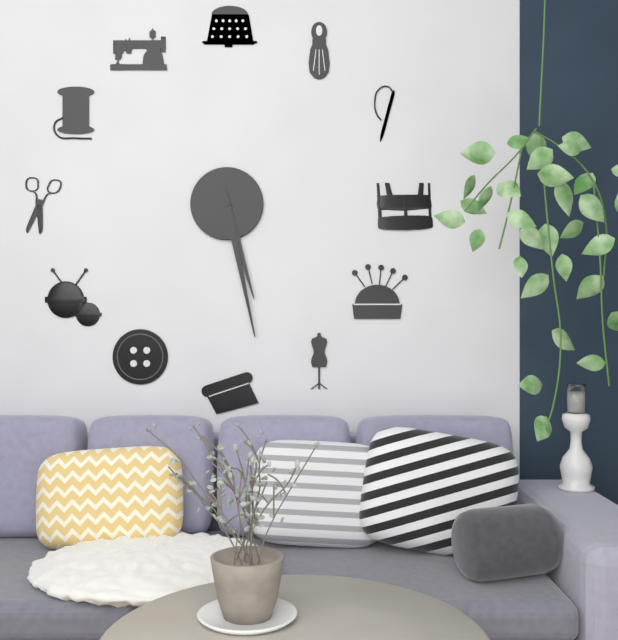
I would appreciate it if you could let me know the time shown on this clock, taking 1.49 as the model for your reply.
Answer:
5.28
